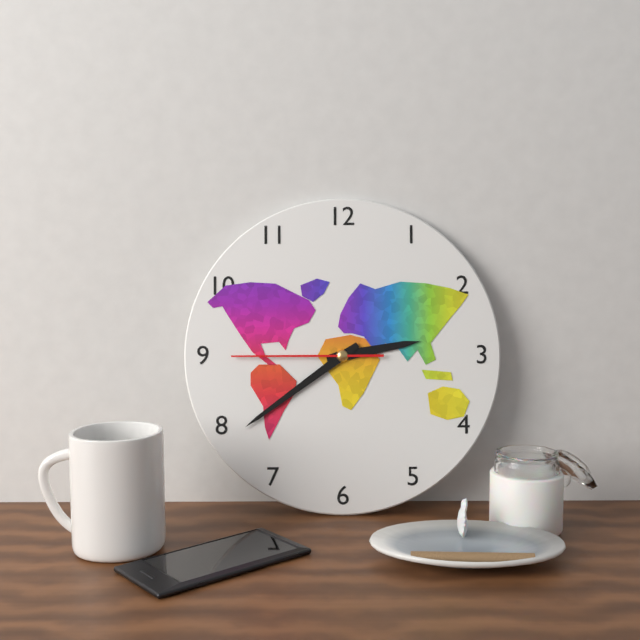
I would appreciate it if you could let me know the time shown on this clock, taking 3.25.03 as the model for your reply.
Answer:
2.39.45
